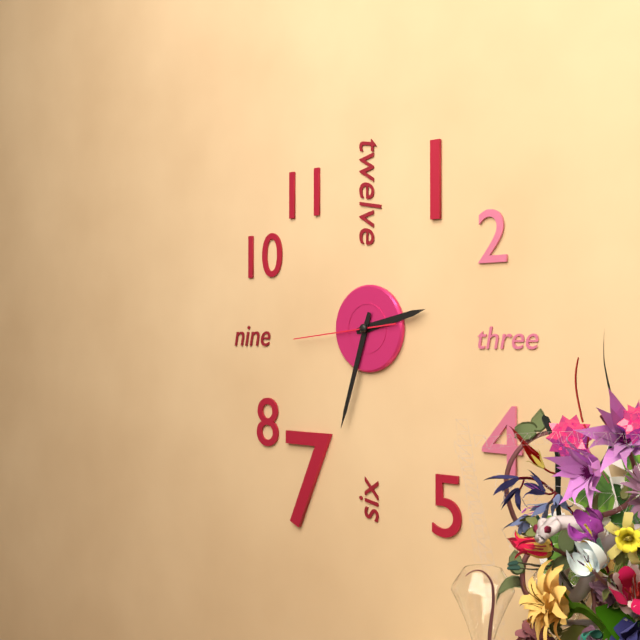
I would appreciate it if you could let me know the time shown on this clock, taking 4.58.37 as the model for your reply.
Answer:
2.33.44
